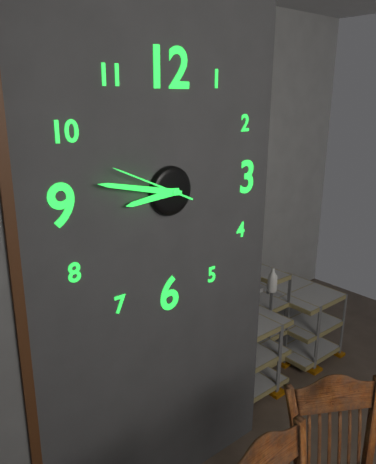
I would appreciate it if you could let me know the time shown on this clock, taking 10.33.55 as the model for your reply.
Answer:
8.47.49
